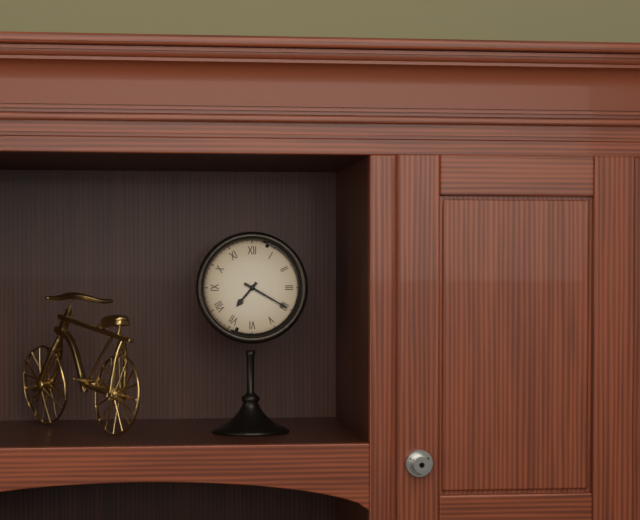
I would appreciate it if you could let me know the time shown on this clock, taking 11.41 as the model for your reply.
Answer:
7.20
